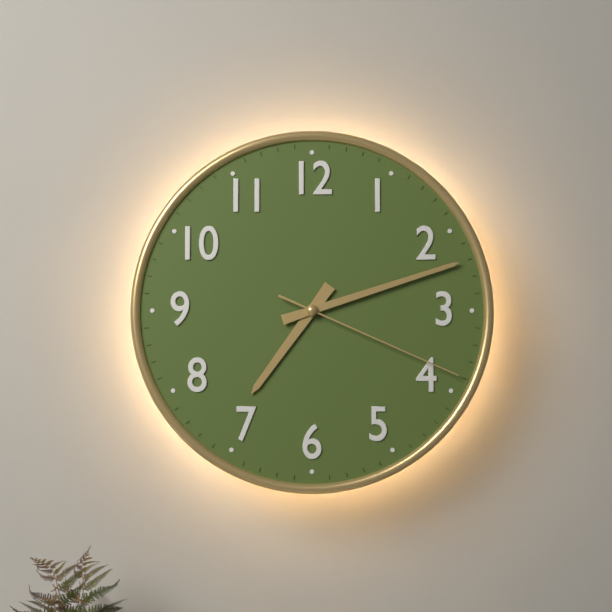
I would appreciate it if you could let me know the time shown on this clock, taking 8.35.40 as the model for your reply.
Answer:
7.12.19
